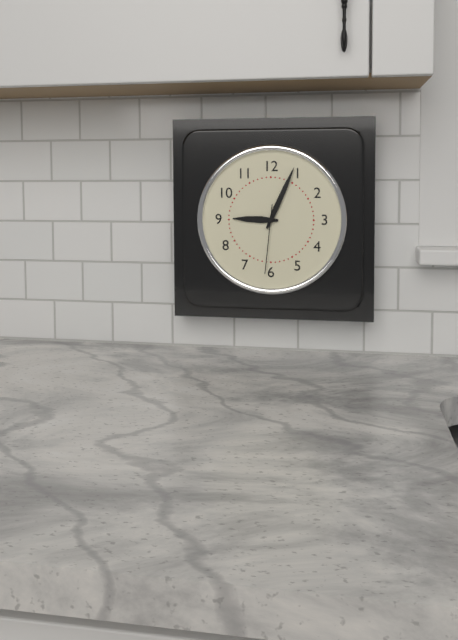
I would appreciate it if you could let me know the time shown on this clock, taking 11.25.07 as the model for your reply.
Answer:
9.04.31
